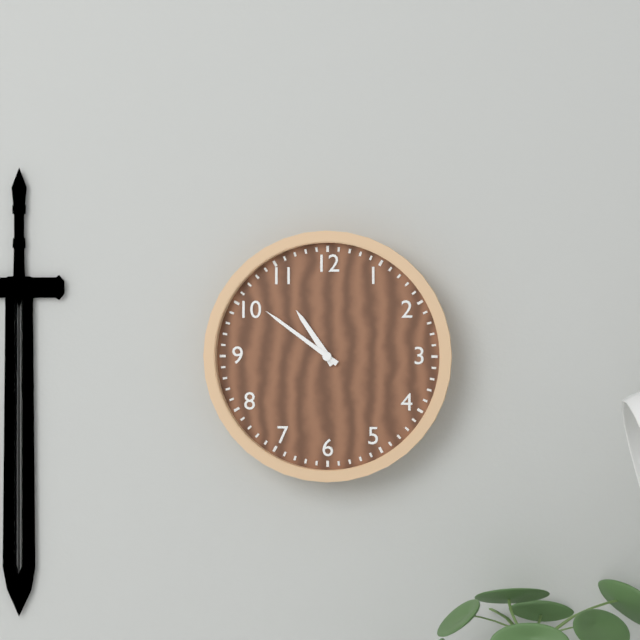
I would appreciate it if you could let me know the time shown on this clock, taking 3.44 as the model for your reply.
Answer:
10.51
